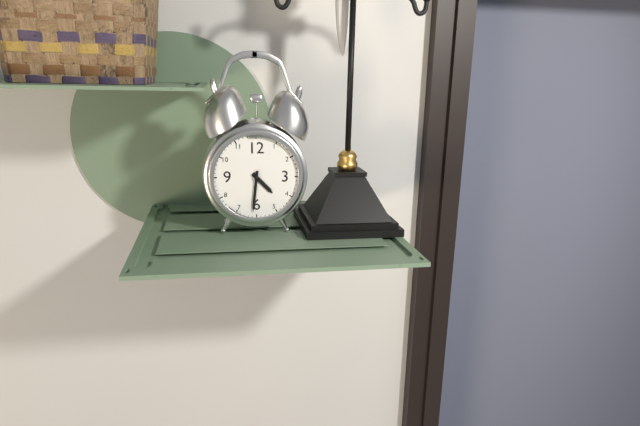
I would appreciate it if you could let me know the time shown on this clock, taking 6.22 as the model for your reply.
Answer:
4.31
